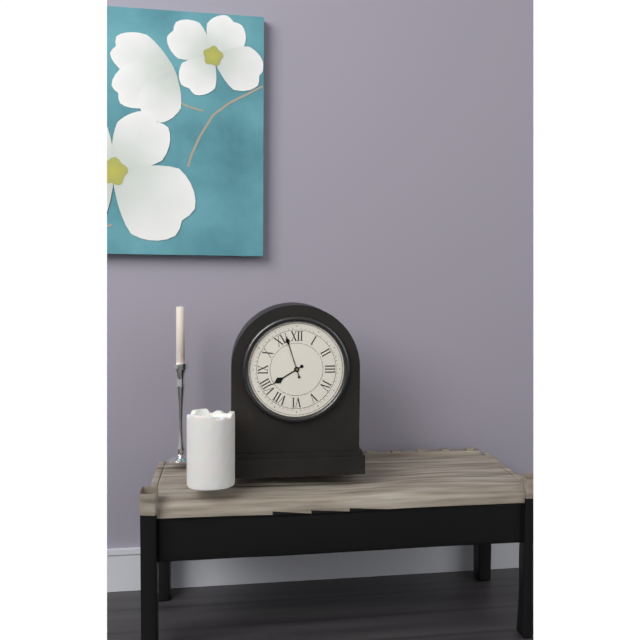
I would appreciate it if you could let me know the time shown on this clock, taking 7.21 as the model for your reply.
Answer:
7.57
